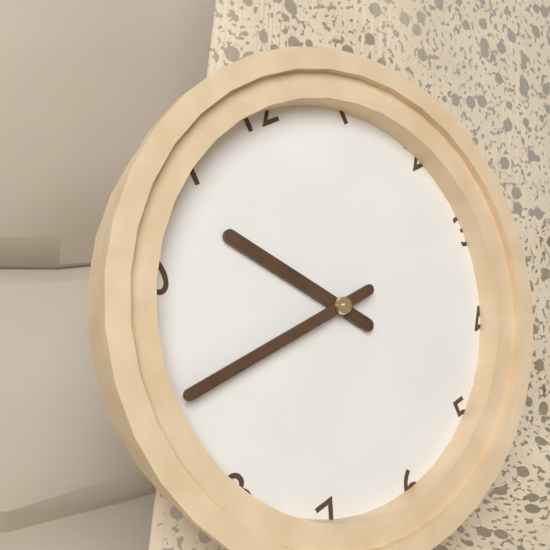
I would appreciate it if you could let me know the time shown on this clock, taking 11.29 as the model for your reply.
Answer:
10.45
